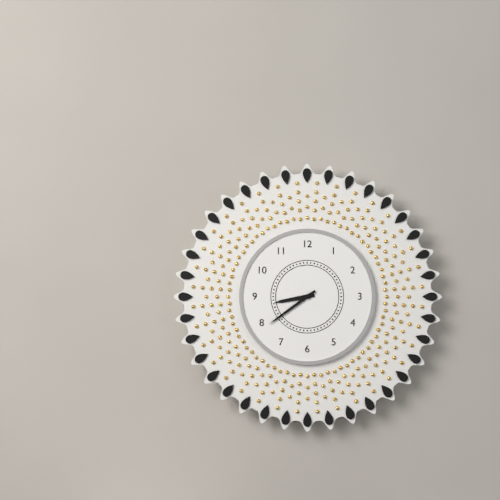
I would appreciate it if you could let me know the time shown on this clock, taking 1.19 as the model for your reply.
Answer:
8.39
